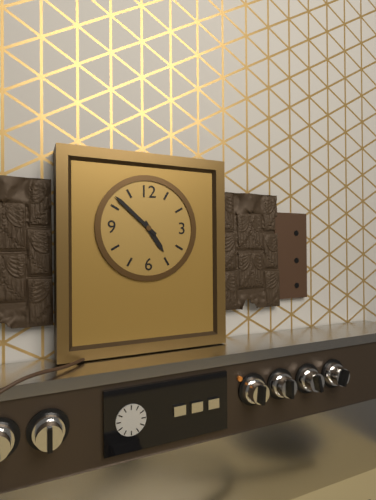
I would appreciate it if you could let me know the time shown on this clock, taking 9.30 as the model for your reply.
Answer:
4.52
